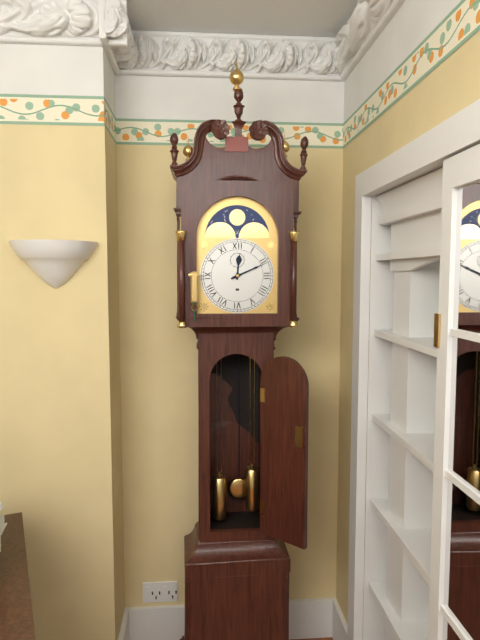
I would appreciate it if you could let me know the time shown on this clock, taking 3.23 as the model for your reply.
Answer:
12.11
